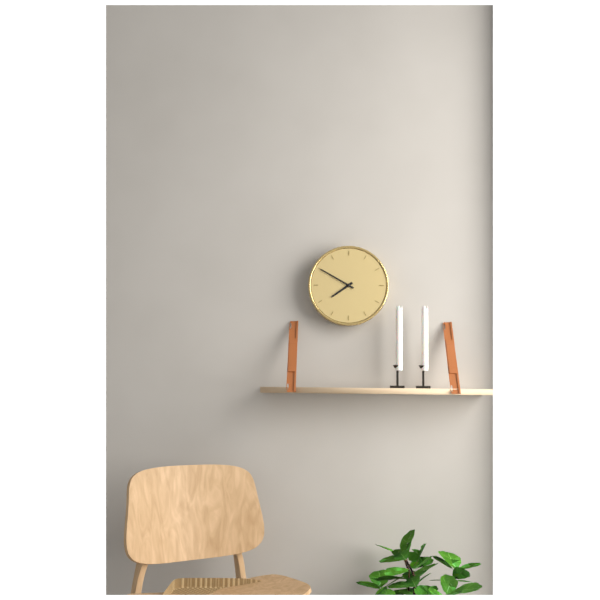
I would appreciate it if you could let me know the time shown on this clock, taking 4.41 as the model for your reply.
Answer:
7.50
